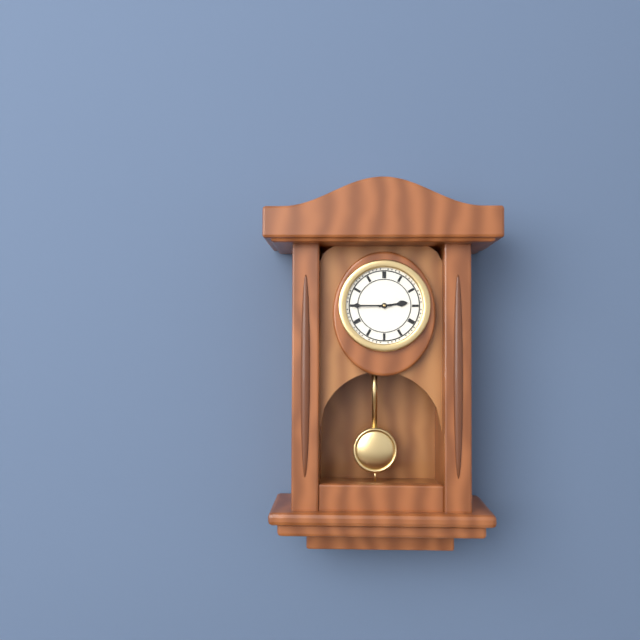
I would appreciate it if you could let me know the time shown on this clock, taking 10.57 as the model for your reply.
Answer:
2.45
